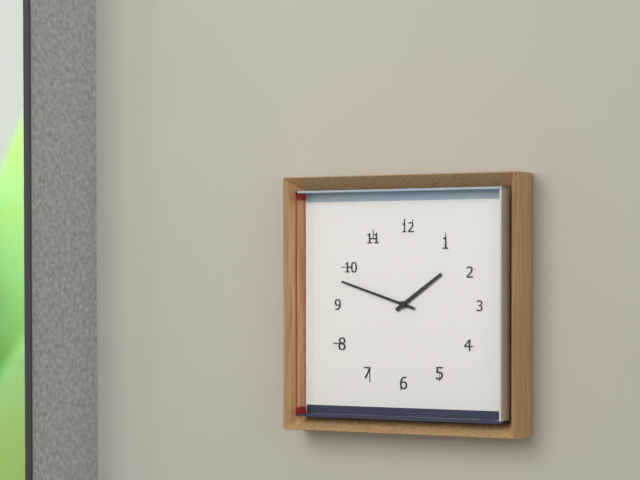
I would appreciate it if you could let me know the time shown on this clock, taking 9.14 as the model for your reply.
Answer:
1.48
